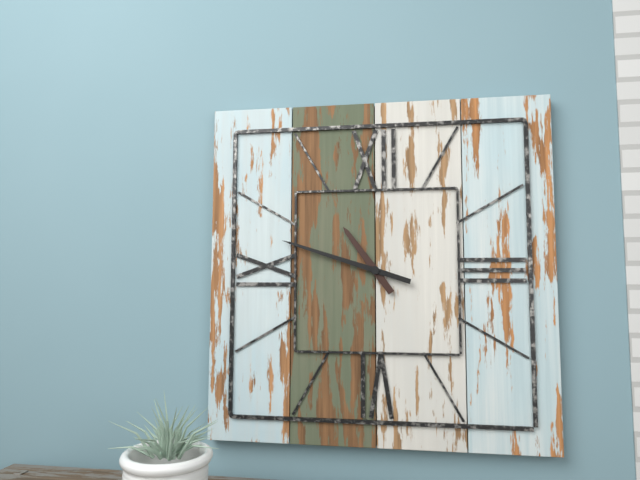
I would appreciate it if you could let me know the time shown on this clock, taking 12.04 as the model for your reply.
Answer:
10.48
